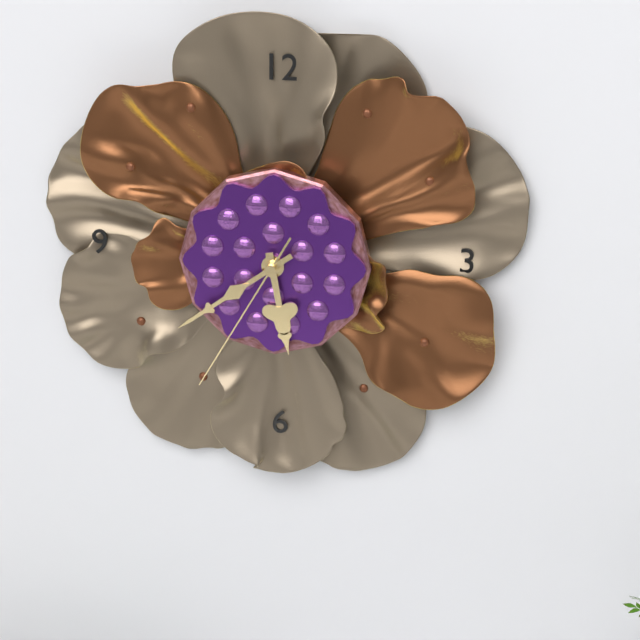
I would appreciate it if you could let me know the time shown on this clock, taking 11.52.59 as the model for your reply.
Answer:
5.39.35
